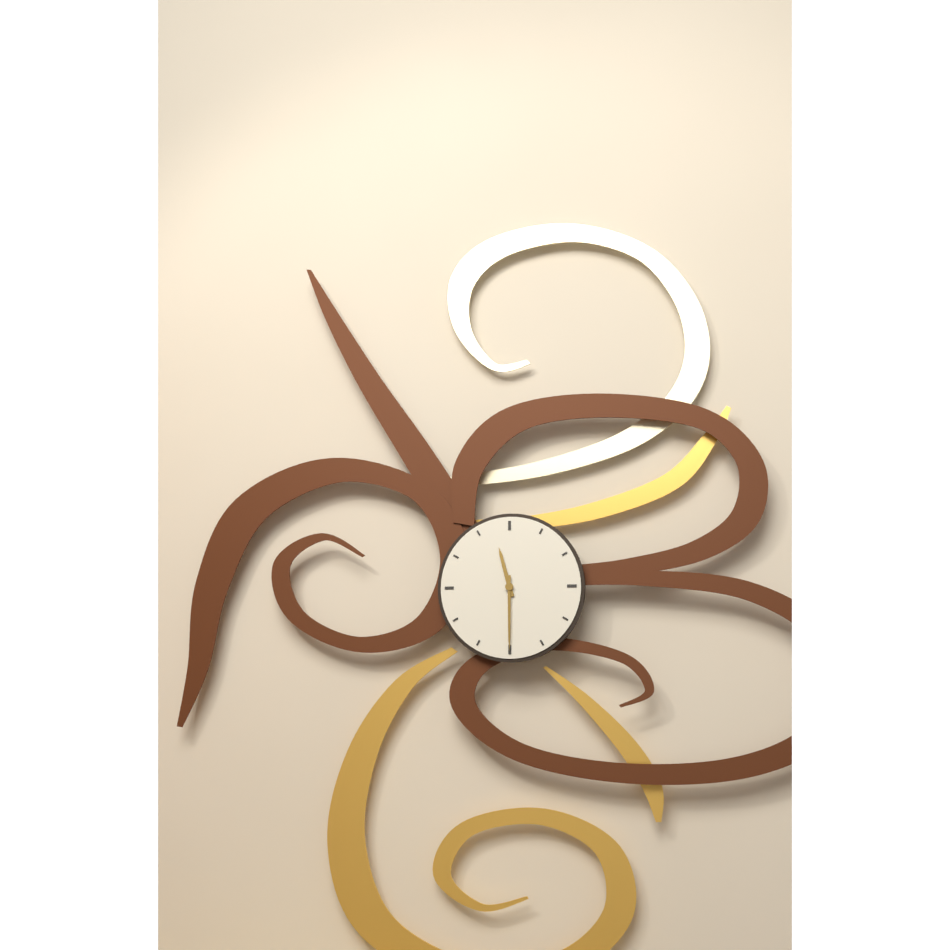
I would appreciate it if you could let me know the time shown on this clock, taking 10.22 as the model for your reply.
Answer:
11.30
